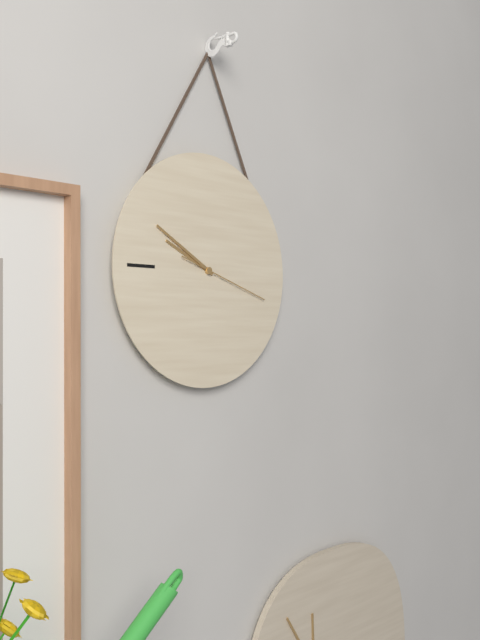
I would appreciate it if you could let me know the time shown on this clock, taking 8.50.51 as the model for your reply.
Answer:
9.50.18
